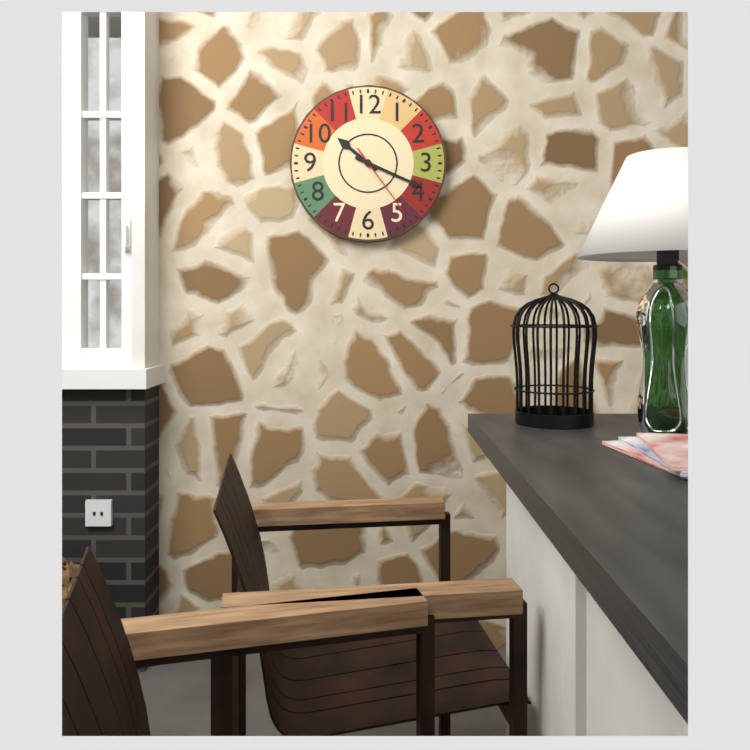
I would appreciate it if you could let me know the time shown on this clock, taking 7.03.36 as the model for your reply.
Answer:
10.19.24
